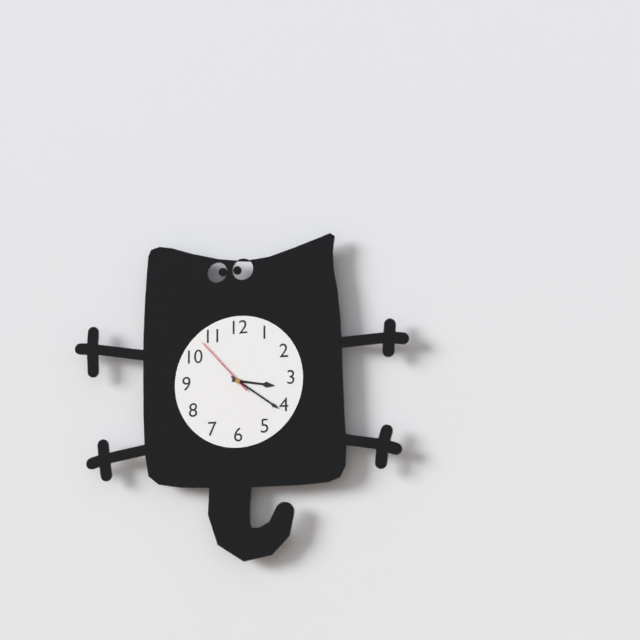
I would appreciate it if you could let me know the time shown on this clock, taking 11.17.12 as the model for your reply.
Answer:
3.21.53
